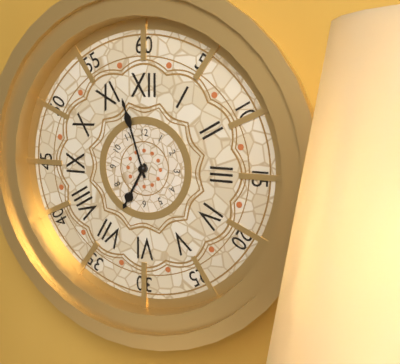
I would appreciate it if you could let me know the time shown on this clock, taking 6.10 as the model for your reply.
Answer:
6.57
